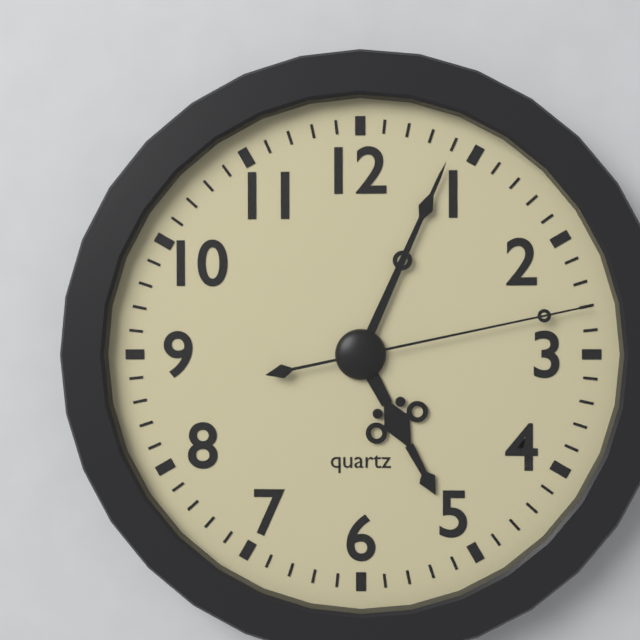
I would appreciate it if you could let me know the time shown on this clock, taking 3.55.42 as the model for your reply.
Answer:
5.04.13
